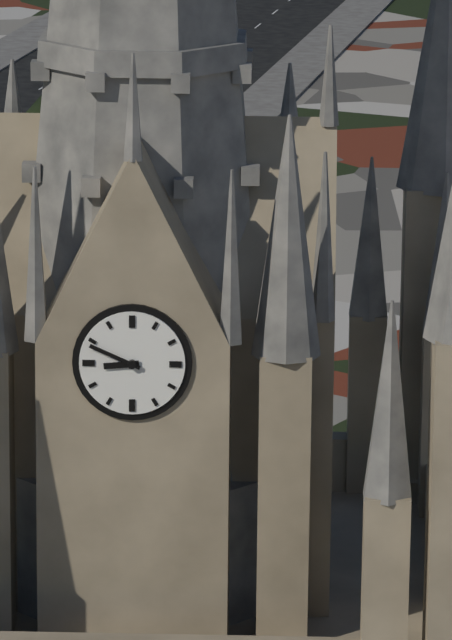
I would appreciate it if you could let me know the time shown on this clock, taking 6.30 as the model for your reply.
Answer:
8.49
